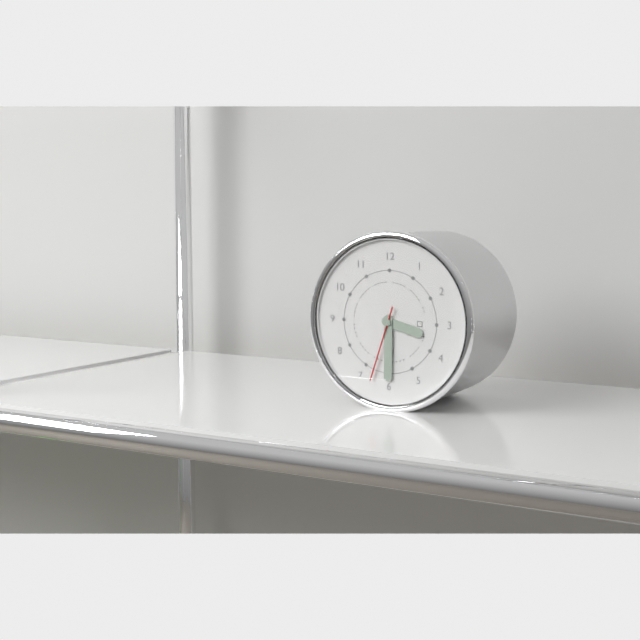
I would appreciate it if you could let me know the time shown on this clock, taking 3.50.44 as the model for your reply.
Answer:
3.30.33
